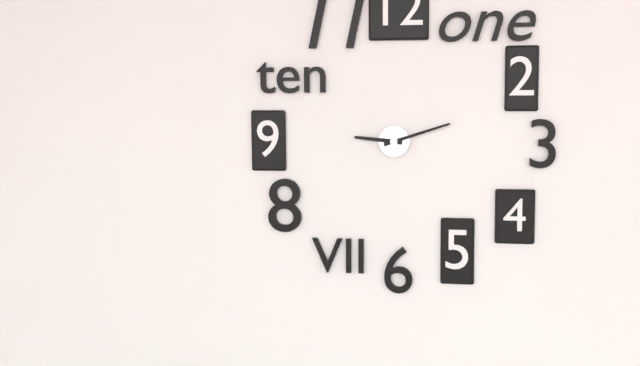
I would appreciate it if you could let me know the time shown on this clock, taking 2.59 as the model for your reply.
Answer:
9.12
